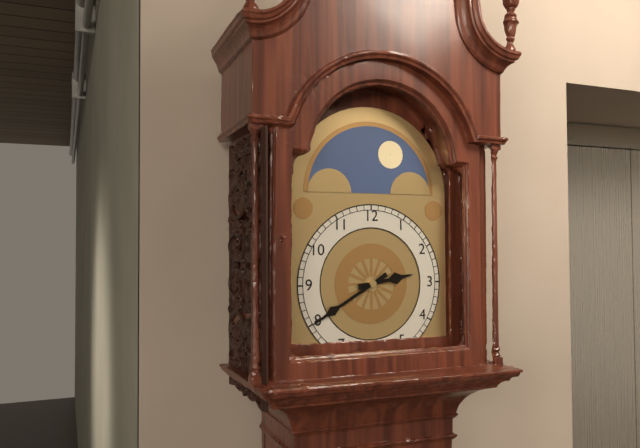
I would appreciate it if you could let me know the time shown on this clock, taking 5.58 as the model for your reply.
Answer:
2.40
